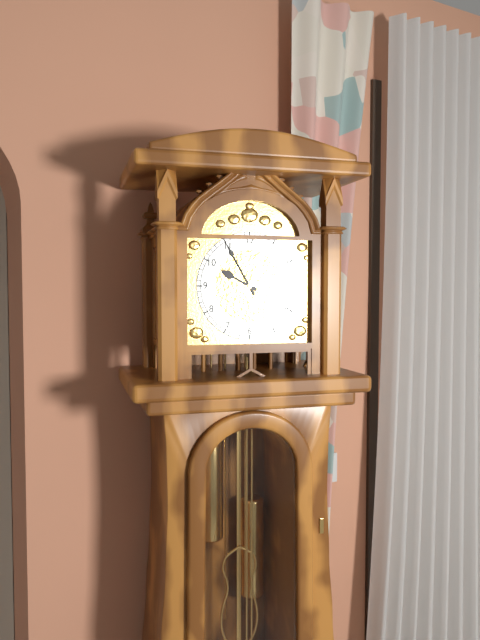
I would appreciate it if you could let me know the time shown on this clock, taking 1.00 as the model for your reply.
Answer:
9.55
